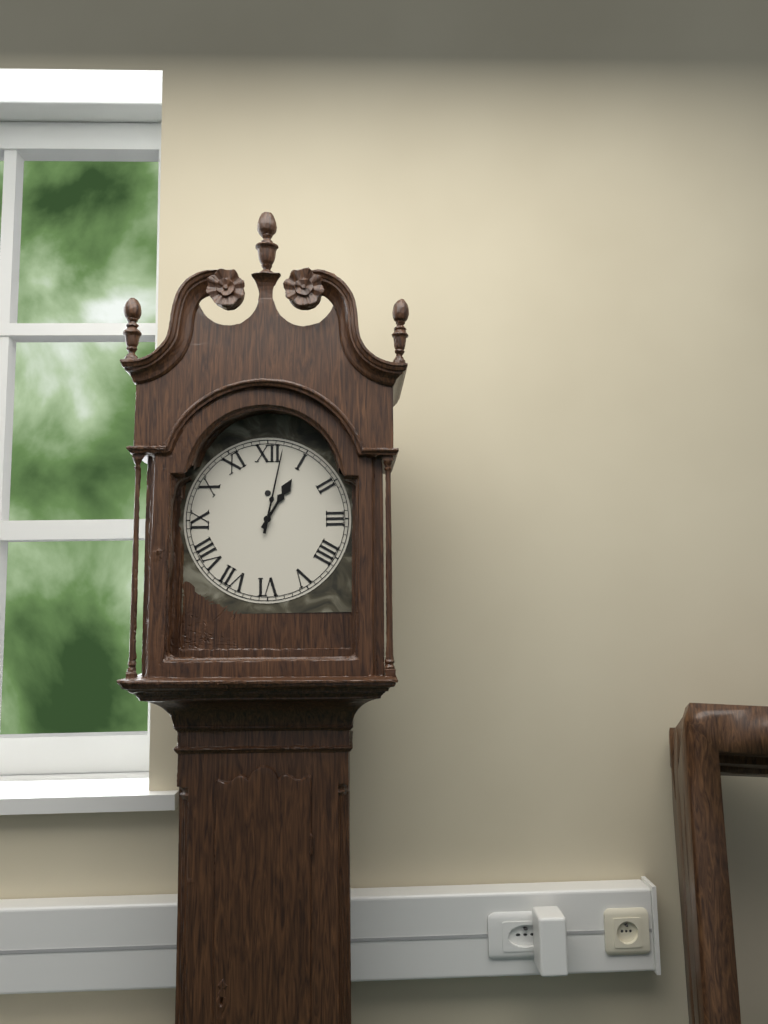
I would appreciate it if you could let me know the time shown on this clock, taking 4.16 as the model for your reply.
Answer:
1.02
